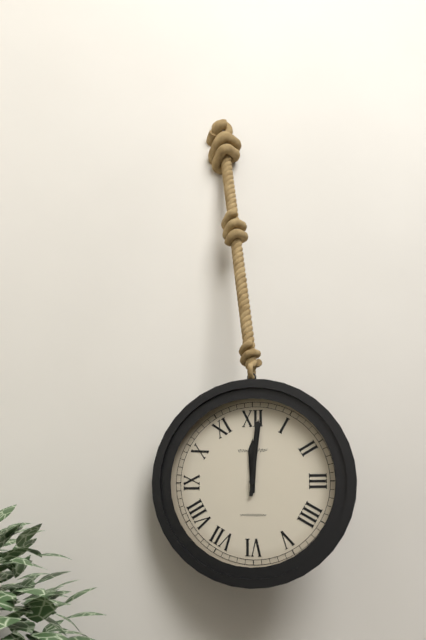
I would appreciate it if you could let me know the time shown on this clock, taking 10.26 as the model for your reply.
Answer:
12.01
